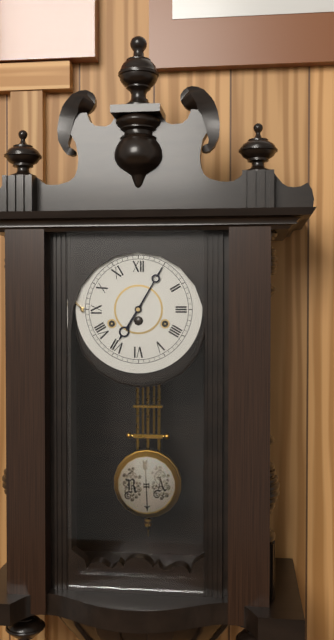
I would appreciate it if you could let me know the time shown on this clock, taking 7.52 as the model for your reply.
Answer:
7.05
